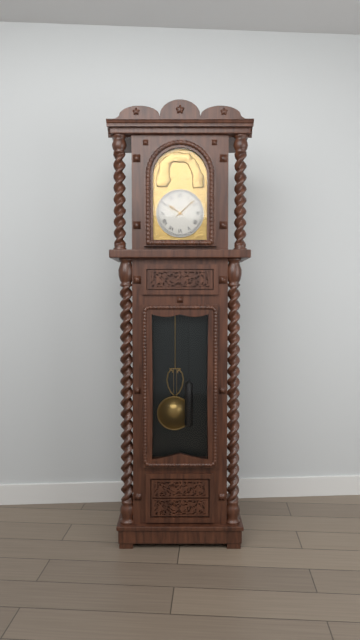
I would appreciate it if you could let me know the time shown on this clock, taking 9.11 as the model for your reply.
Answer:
10.08
